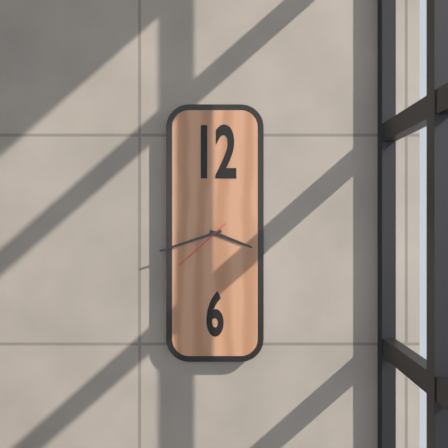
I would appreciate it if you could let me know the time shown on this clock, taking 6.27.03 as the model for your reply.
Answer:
3.42.38
